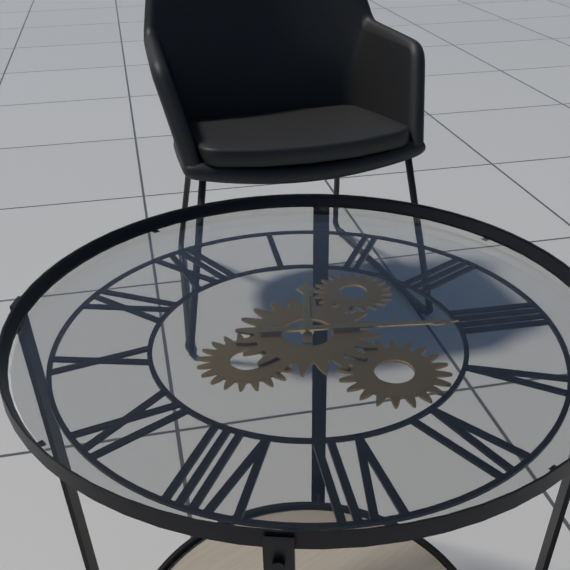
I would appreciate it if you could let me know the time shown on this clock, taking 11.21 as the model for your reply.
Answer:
1.21
